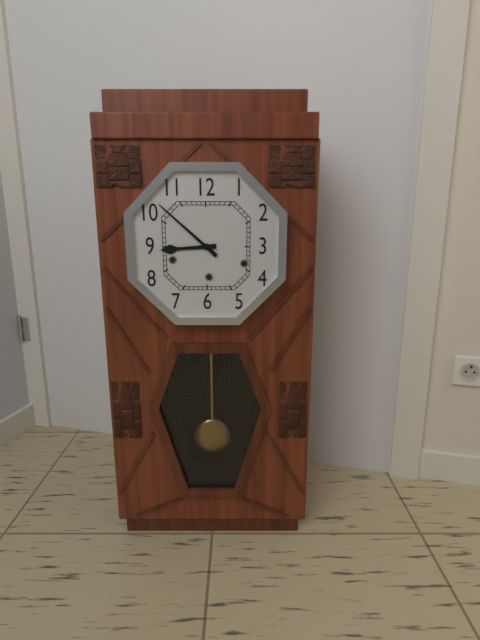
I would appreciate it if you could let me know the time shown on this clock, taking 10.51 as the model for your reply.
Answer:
8.52
